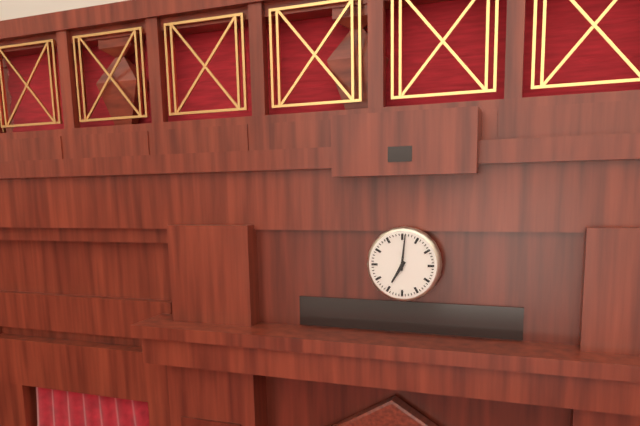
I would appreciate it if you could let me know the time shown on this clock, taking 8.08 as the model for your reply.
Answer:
7.01
